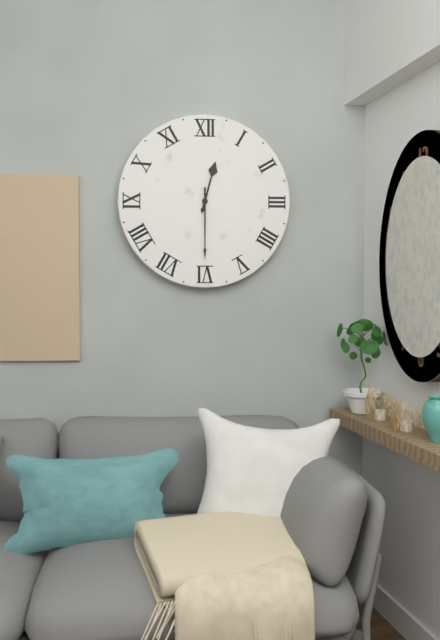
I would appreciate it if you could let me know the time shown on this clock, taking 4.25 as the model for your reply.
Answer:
12.30
